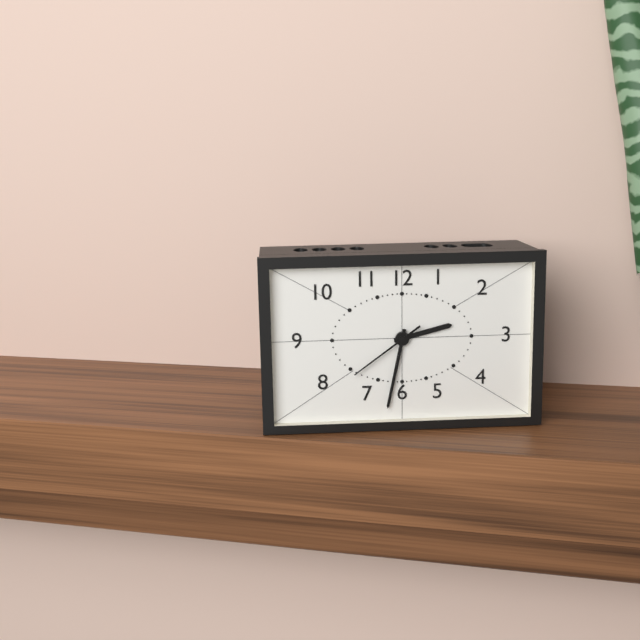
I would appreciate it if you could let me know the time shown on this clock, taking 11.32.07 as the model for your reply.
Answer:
2.32.39
